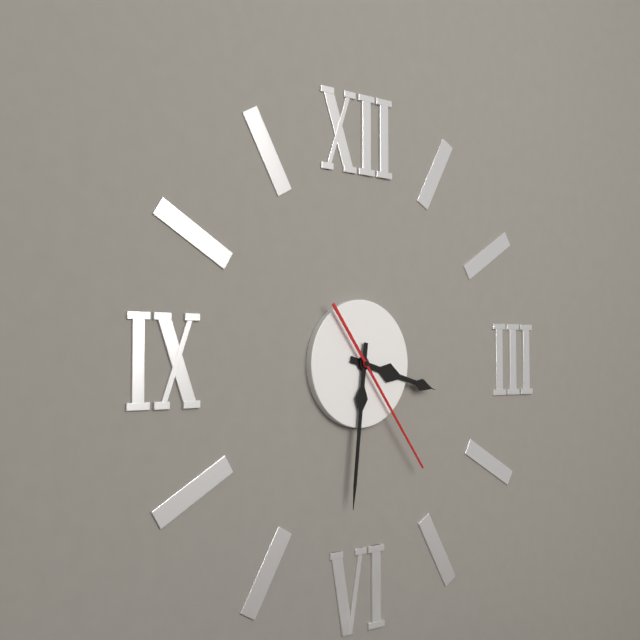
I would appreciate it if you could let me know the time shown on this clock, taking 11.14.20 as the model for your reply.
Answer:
3.31.24
